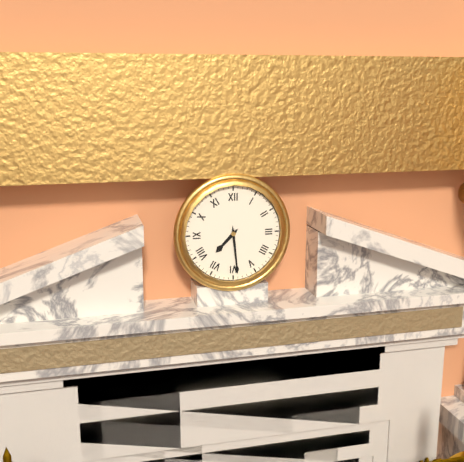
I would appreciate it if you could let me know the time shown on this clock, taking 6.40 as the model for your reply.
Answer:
7.29
